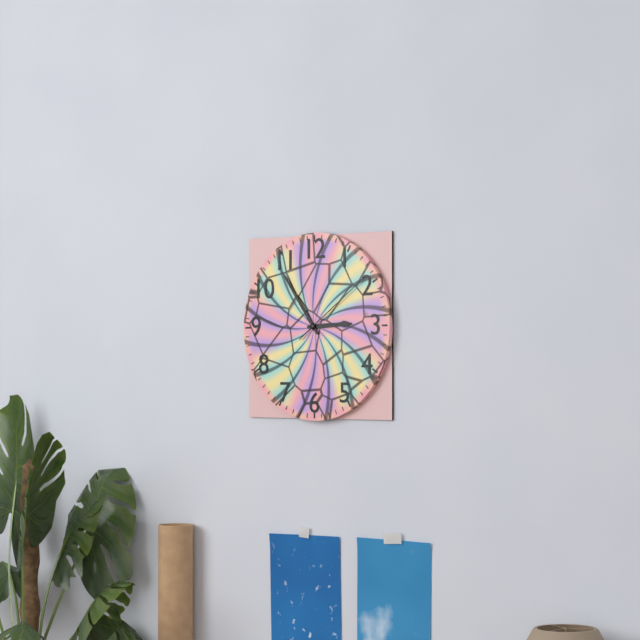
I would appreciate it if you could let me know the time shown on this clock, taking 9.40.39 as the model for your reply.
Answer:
2.54.09
